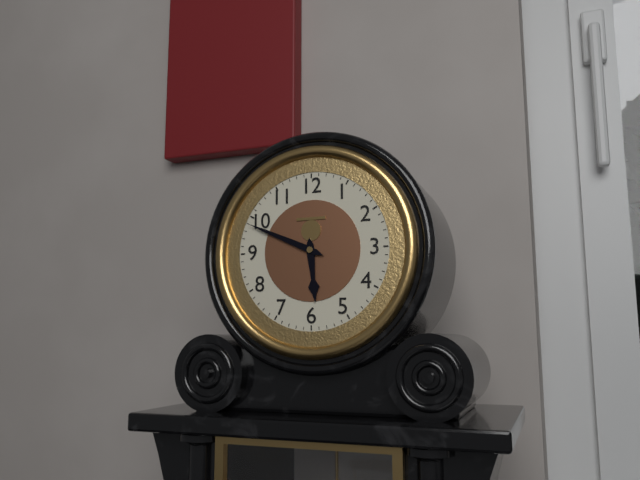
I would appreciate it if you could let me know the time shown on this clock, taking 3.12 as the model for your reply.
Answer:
5.49
